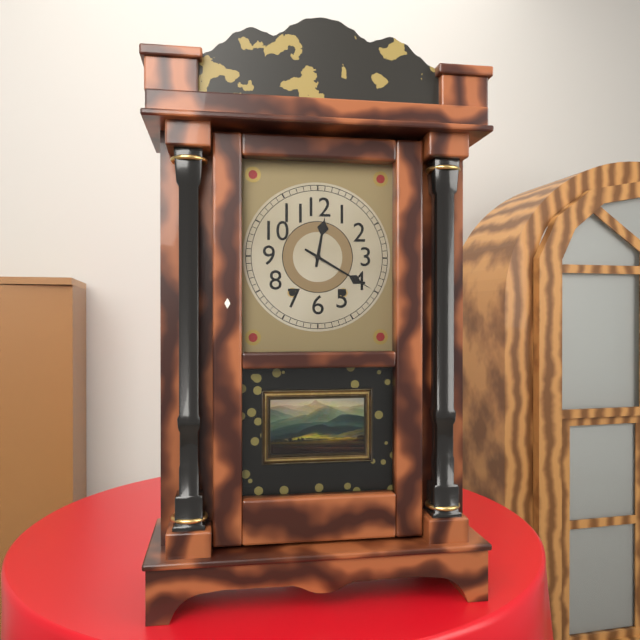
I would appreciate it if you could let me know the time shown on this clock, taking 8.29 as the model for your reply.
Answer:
12.20
